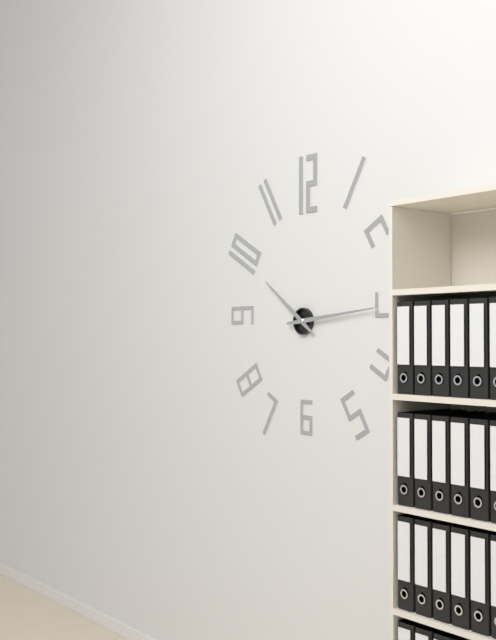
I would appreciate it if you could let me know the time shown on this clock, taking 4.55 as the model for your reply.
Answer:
10.14
